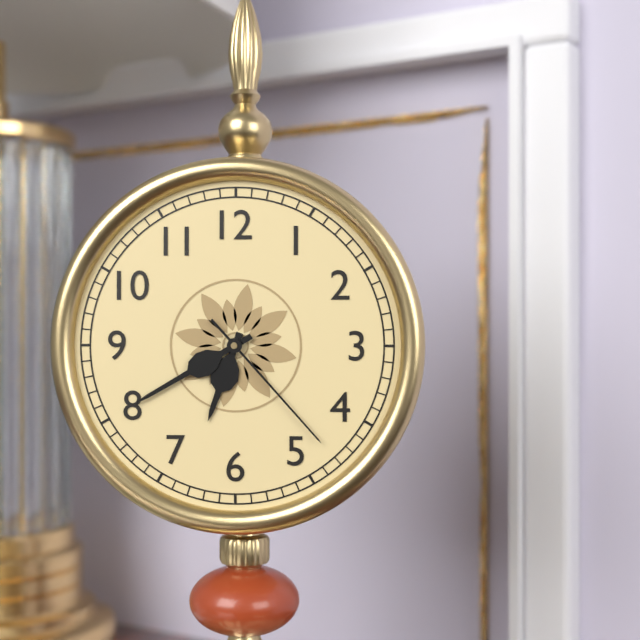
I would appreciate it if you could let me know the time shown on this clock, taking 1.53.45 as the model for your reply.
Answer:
6.40.23
